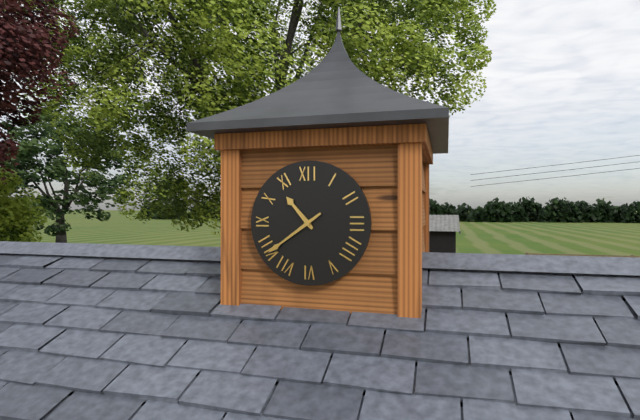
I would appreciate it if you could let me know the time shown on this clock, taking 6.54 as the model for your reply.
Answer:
10.39
